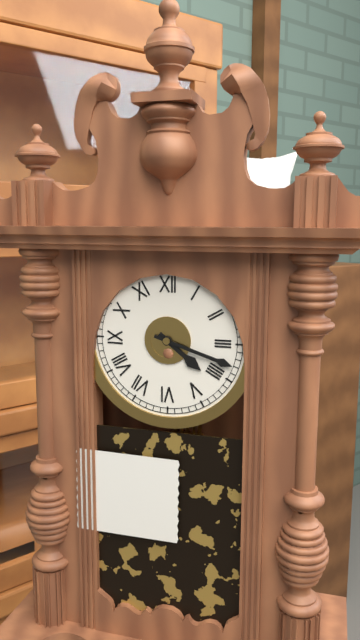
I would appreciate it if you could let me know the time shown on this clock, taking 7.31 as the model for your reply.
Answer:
4.18
